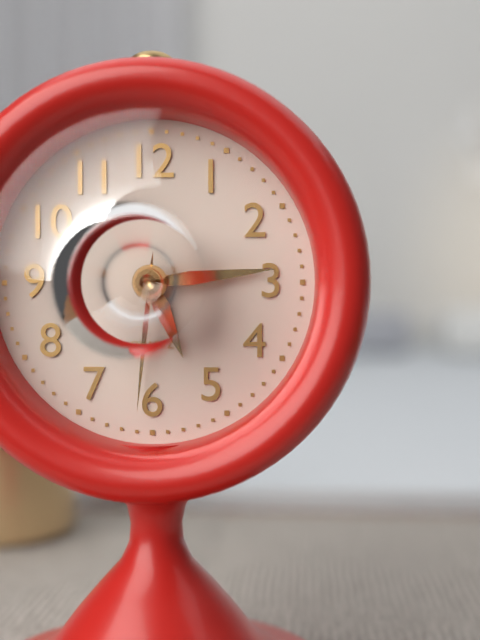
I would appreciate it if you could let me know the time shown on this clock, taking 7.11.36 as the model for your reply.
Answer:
5.14.31
